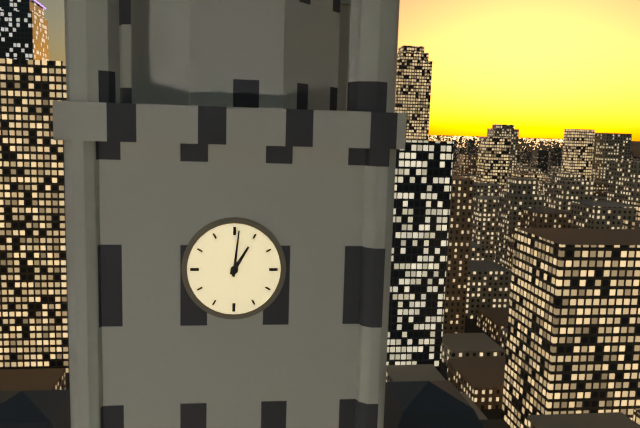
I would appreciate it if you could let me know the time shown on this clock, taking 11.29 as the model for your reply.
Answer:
1.01
